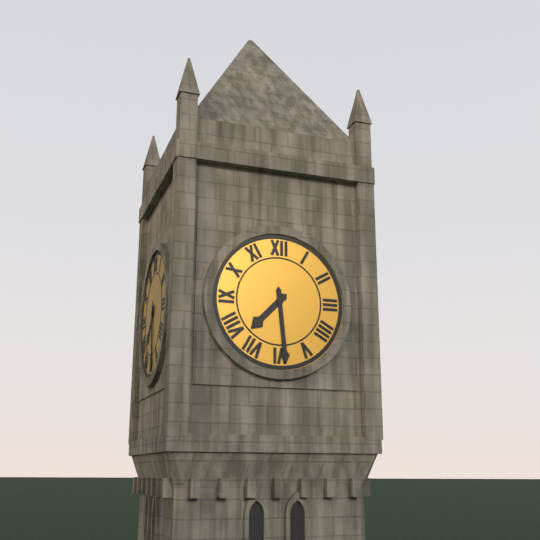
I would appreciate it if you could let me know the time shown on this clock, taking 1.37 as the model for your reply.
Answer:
7.29
